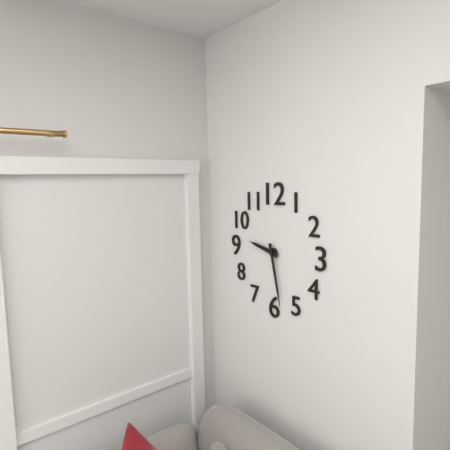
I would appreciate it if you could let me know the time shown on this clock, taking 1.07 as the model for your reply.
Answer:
9.28
